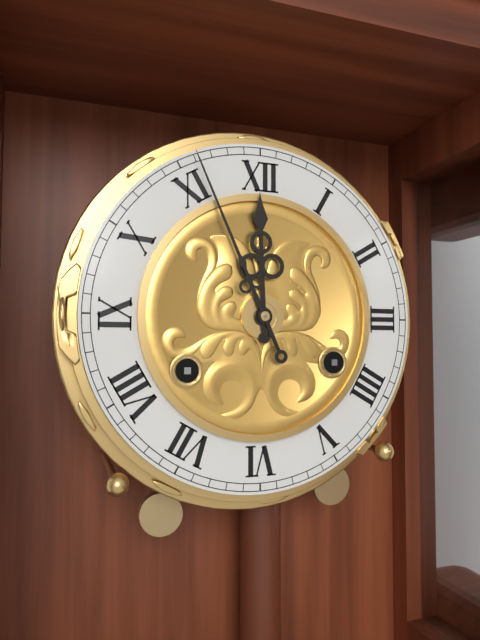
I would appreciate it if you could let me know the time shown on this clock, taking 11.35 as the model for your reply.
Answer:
11.56
